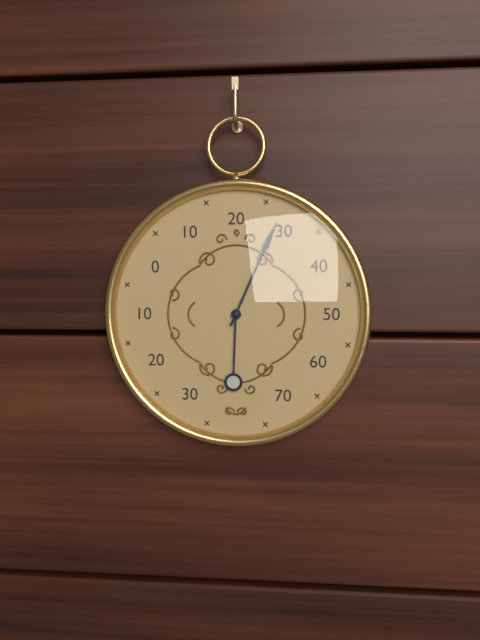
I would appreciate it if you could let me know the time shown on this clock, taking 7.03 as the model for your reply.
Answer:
6.04
